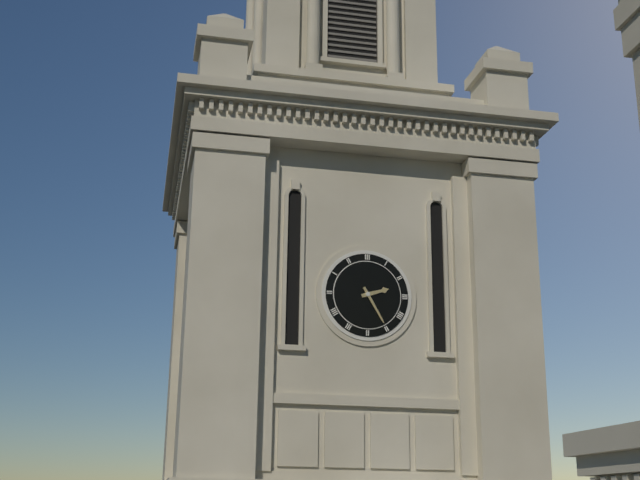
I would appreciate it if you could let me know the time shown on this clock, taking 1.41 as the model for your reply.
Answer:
2.25
